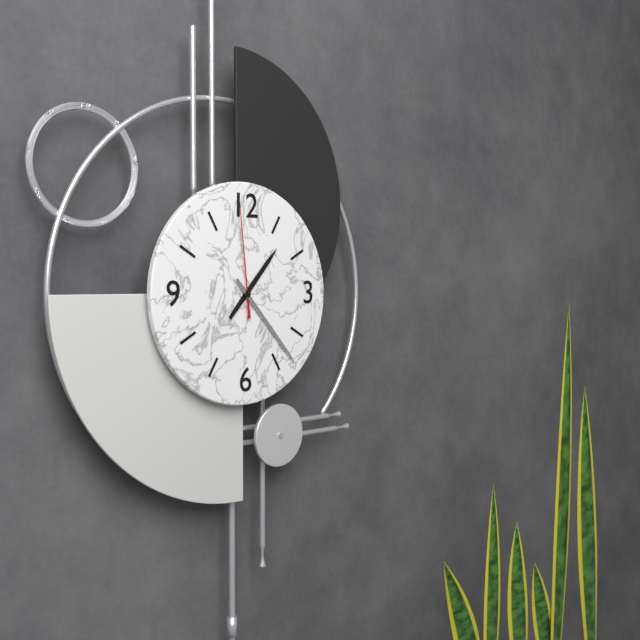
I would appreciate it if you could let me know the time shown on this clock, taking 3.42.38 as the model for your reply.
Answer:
1.23.59
